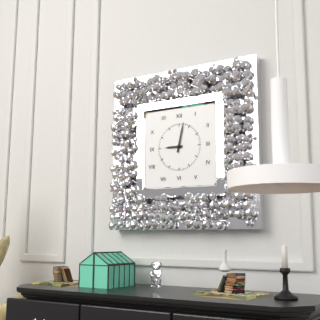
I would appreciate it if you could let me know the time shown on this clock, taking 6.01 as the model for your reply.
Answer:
9.02
